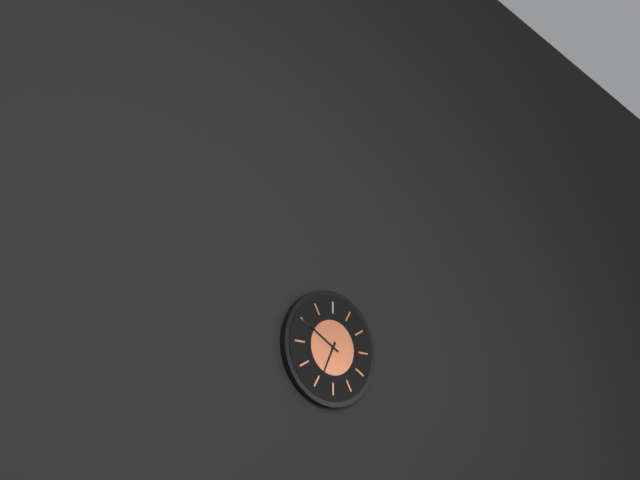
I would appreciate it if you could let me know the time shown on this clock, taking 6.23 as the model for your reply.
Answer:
6.50
